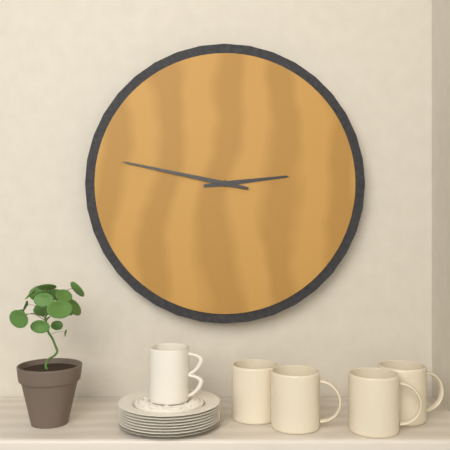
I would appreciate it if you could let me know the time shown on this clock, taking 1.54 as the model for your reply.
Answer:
2.47
